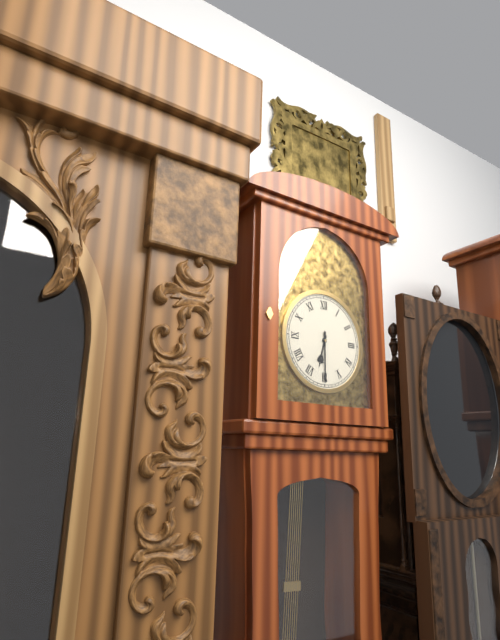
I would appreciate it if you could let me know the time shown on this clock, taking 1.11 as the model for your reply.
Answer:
6.30
